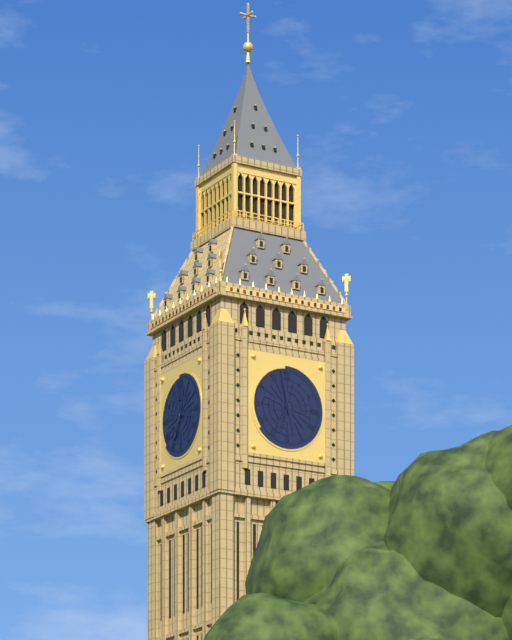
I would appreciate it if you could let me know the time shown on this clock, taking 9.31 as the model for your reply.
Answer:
6.58
